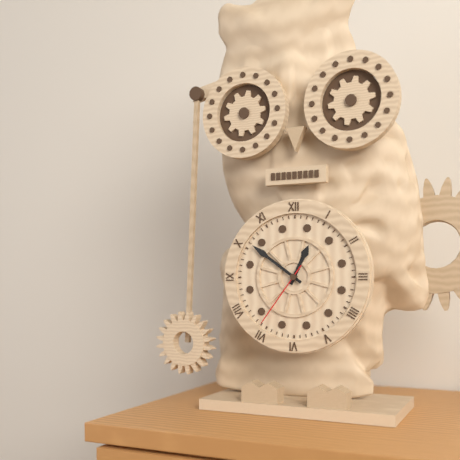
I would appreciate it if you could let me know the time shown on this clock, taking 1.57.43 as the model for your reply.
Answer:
12.51.36
